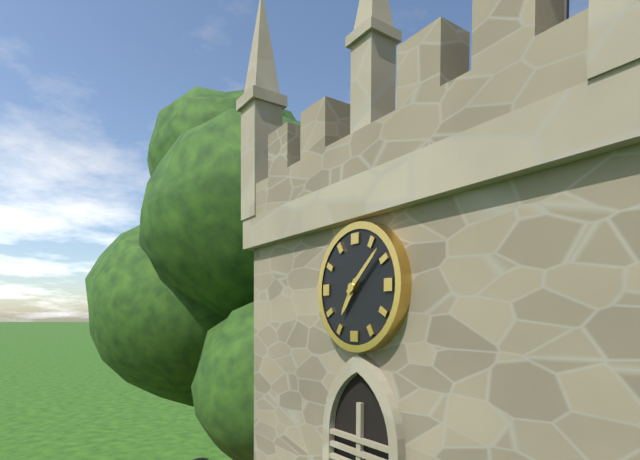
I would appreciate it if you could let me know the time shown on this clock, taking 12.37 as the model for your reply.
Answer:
7.08
